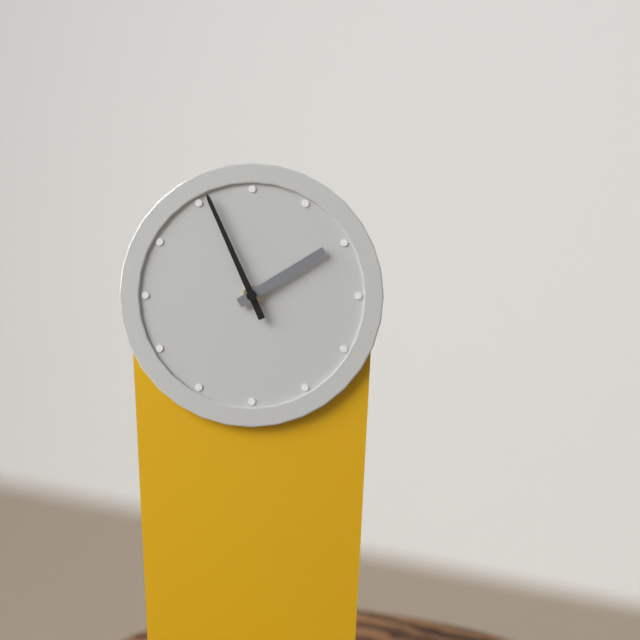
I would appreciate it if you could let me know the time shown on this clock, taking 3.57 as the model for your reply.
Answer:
1.56
